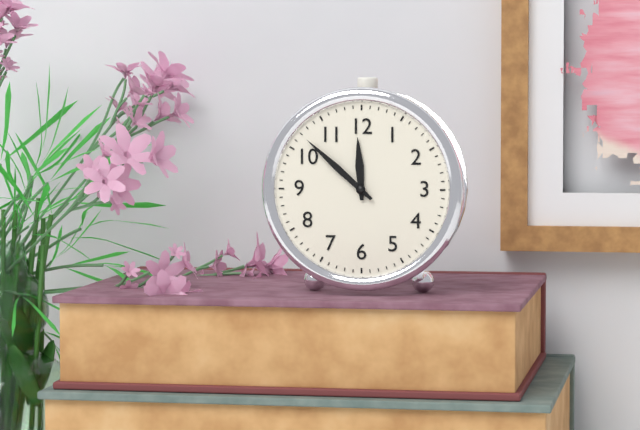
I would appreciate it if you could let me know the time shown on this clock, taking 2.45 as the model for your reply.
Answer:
11.52
